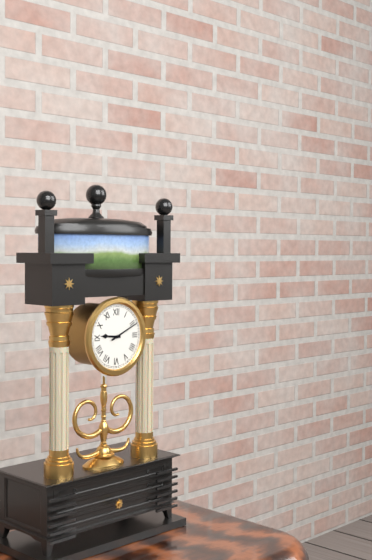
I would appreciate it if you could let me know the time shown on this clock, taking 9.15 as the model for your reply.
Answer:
9.11
